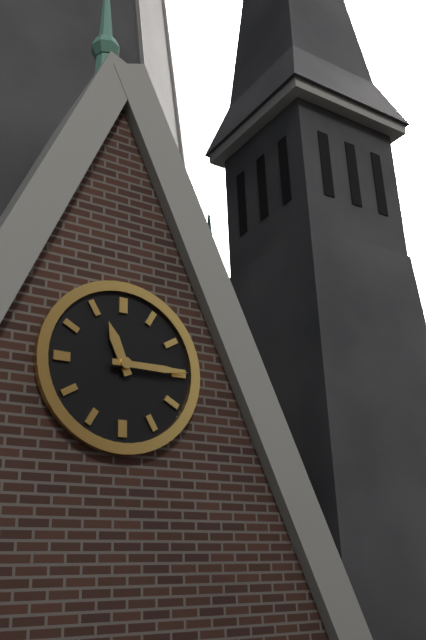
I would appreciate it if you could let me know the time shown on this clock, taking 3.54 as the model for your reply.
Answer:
11.15
